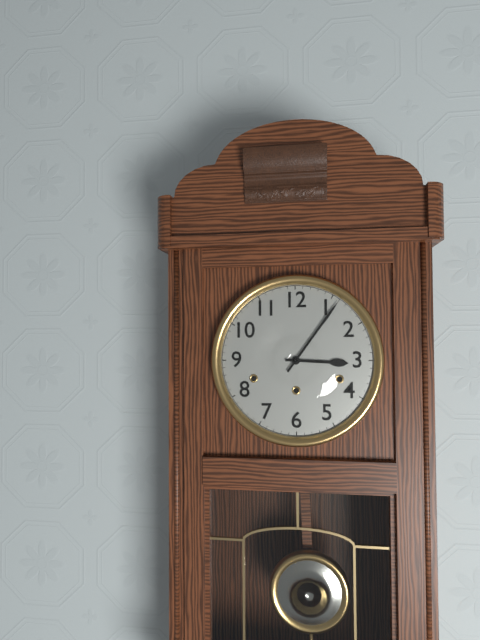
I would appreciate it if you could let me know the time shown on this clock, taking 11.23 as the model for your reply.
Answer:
3.06
